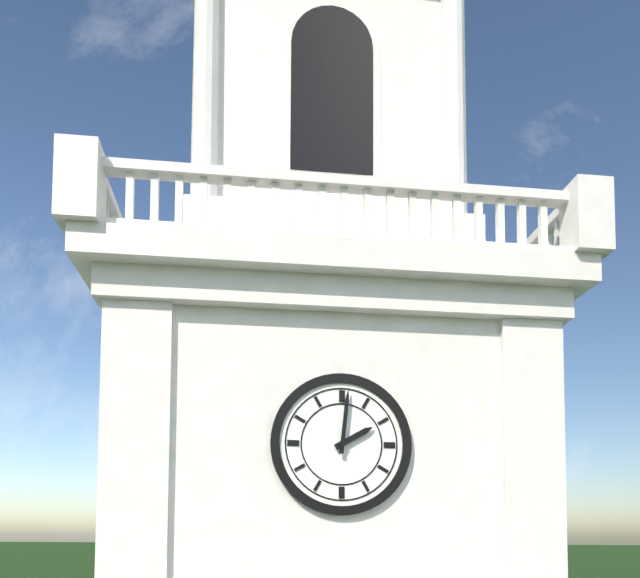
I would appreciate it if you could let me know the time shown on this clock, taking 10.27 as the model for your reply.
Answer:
2.01
